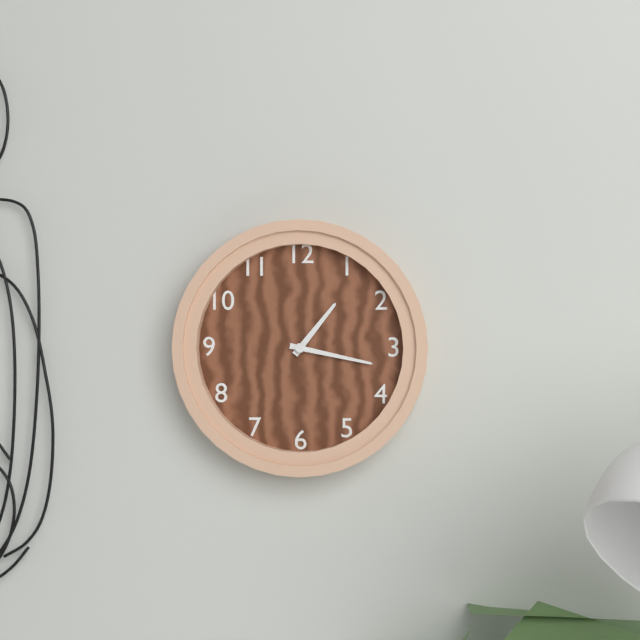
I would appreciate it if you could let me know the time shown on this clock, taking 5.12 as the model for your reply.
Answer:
1.17
